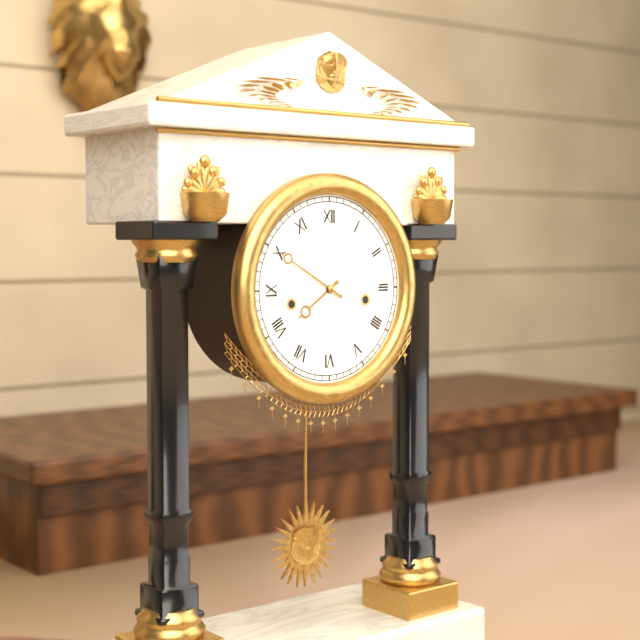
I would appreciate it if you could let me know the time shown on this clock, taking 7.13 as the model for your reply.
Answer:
7.50
